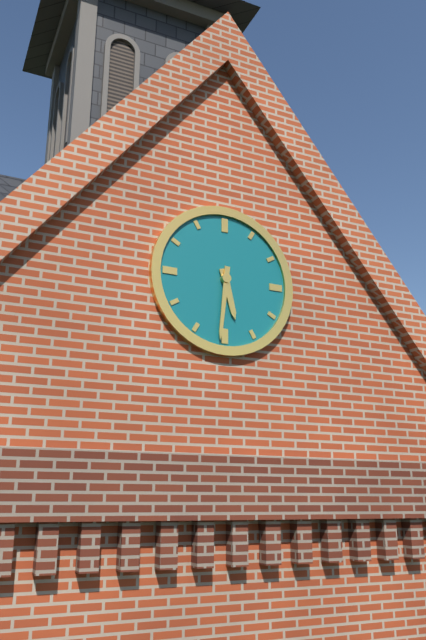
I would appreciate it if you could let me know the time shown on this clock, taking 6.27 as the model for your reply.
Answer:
5.31
